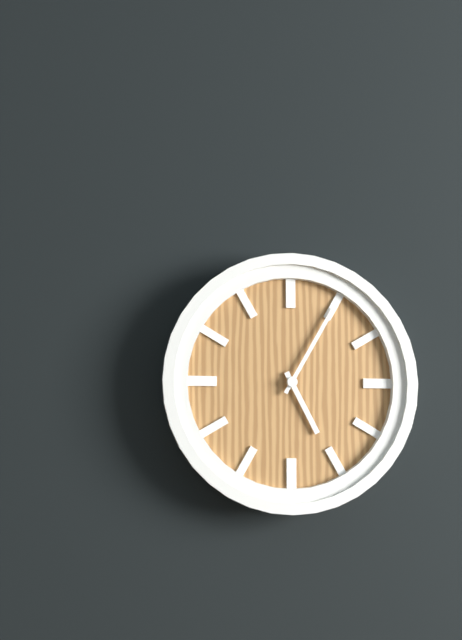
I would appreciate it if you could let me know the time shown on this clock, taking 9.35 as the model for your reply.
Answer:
5.05
